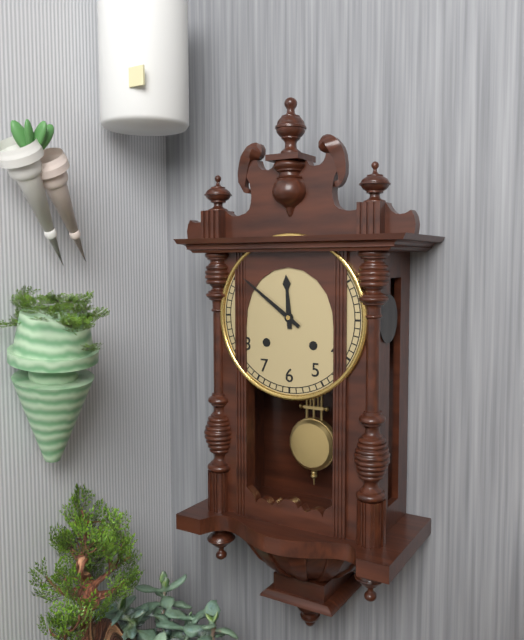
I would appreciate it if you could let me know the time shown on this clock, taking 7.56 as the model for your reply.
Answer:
11.51
